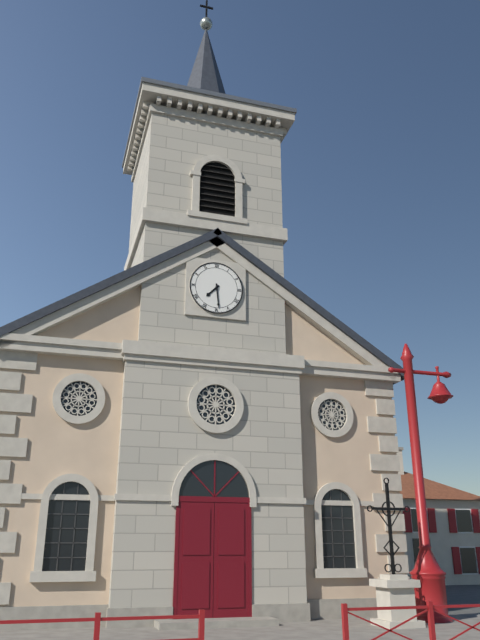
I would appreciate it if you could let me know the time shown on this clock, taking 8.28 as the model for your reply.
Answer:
7.29
